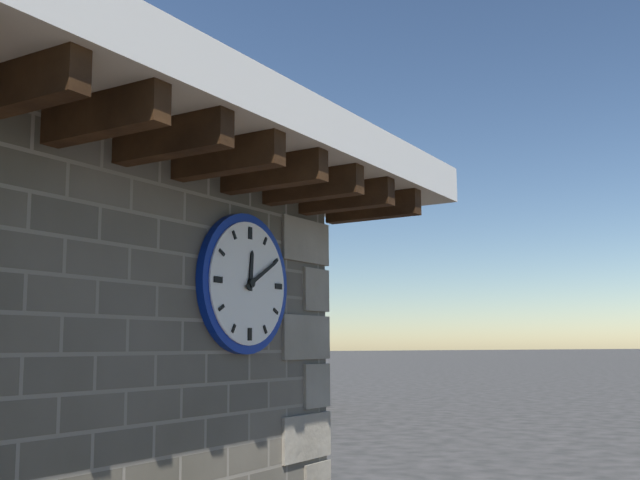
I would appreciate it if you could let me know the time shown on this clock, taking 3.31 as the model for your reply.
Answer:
12.10
